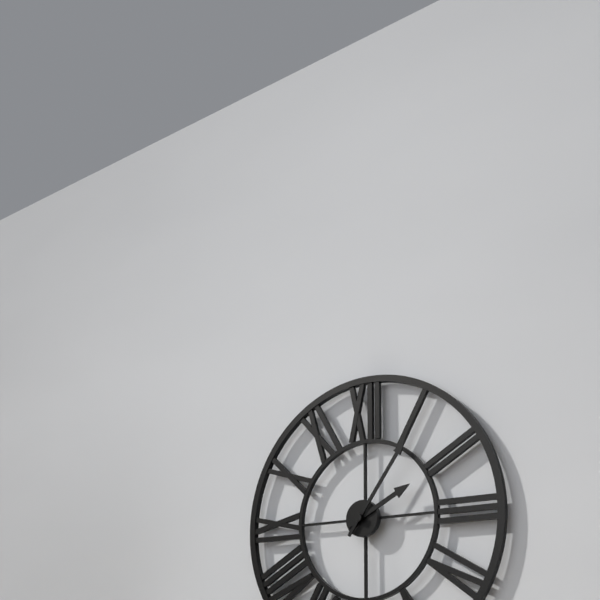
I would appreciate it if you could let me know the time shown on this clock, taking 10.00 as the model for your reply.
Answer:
2.06
